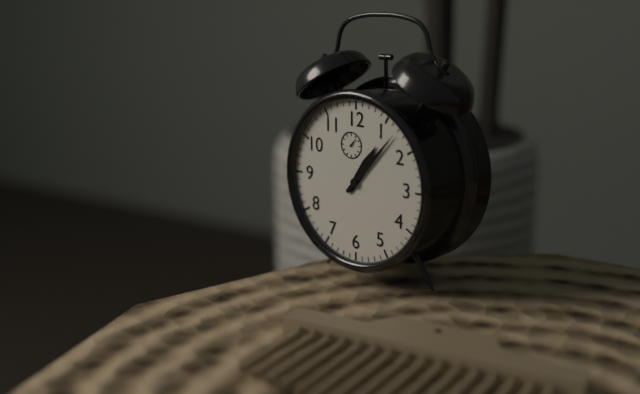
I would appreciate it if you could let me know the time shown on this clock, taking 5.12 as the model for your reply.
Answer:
1.07
